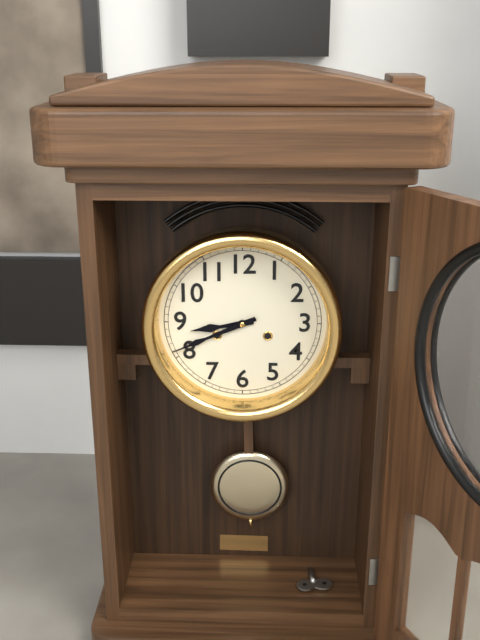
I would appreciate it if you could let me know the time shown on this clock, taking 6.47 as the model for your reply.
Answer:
8.41
